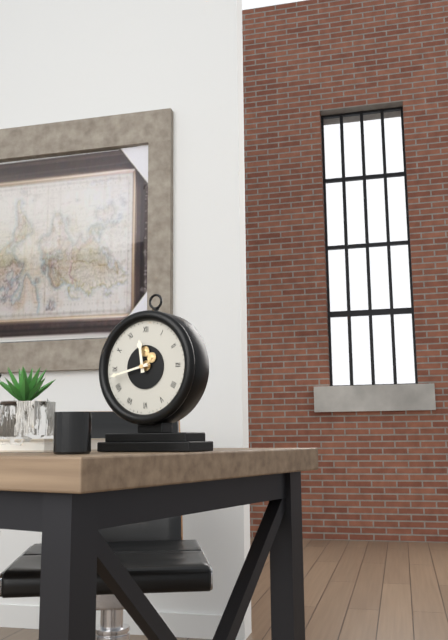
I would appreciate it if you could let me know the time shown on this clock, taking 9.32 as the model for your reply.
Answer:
11.43
